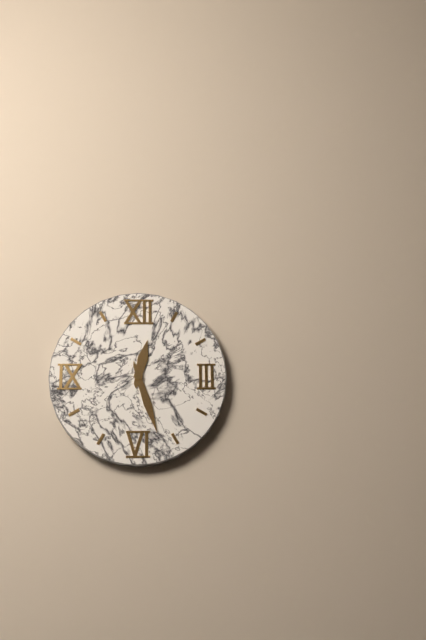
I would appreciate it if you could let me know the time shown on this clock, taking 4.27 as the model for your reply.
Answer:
12.27
